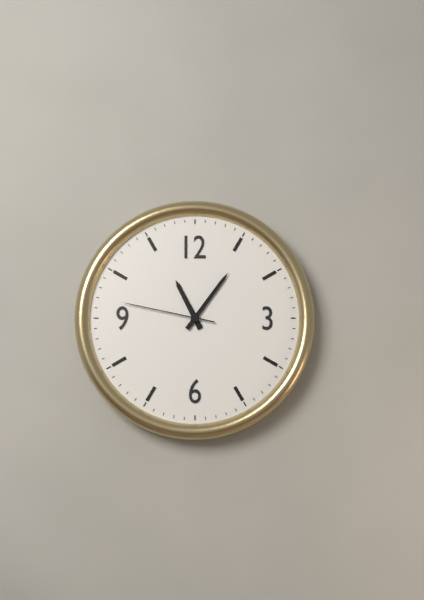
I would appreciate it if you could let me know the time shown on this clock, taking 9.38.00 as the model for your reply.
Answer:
11.06.47
